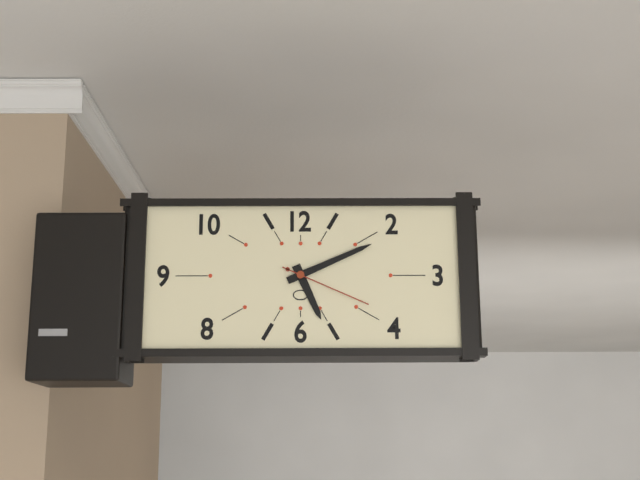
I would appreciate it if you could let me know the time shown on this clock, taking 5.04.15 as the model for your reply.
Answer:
5.11.19
